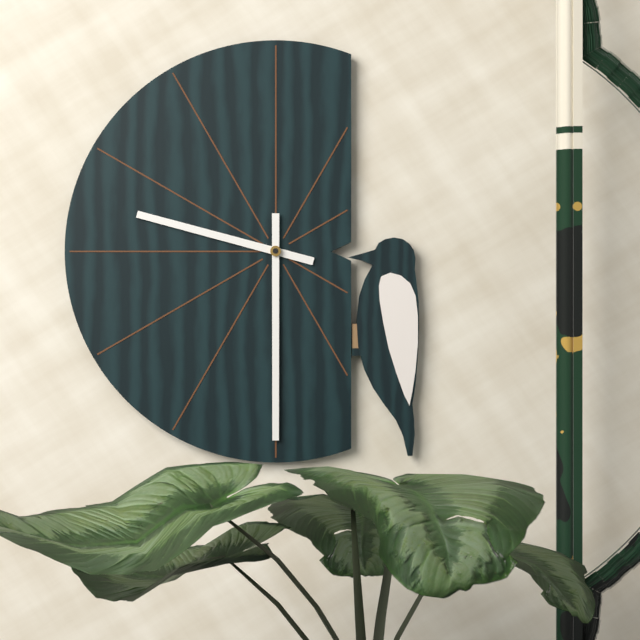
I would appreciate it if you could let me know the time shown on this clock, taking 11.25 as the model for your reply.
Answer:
9.30
